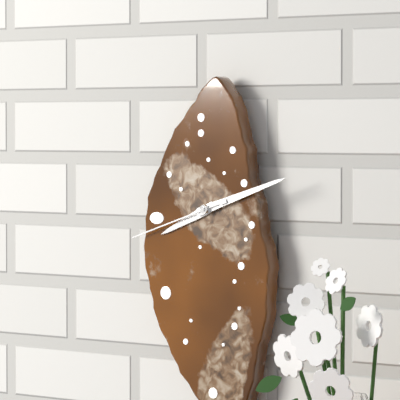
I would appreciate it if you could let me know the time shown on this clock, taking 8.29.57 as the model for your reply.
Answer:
8.12.42
